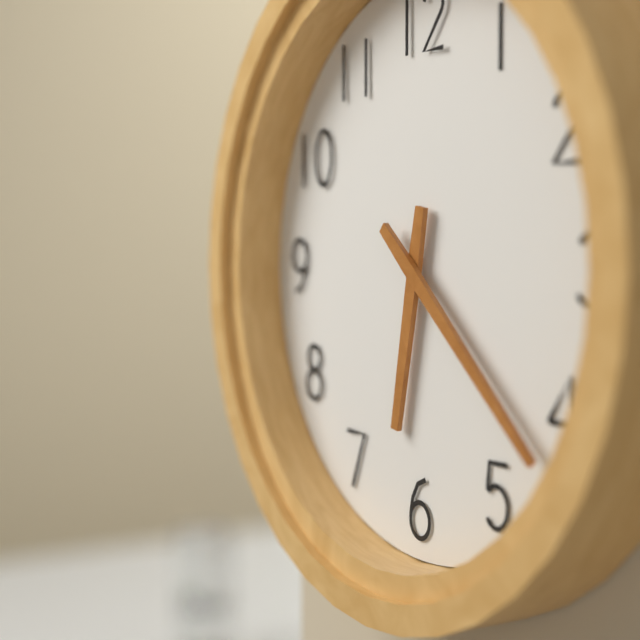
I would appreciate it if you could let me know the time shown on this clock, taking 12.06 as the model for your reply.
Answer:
6.22
